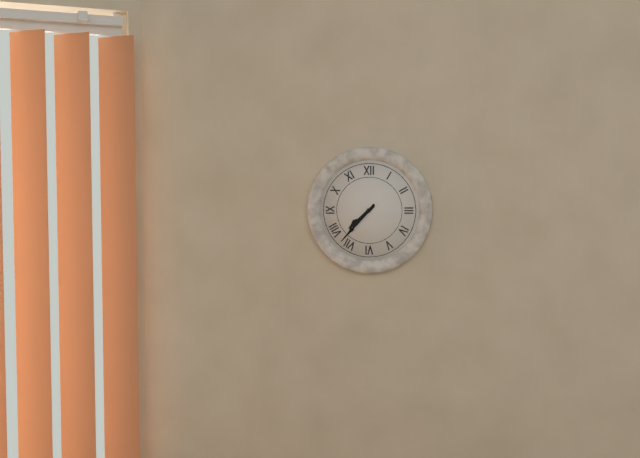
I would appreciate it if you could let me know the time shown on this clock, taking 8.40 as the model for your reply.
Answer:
7.37
